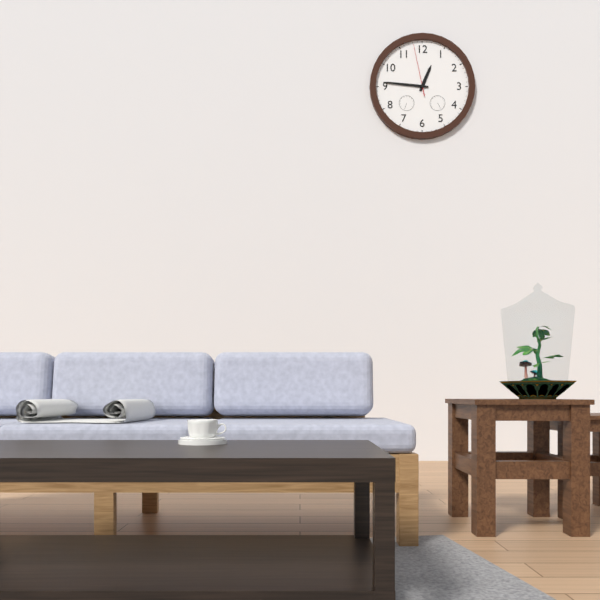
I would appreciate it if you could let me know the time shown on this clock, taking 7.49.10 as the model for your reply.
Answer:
12.46.58
